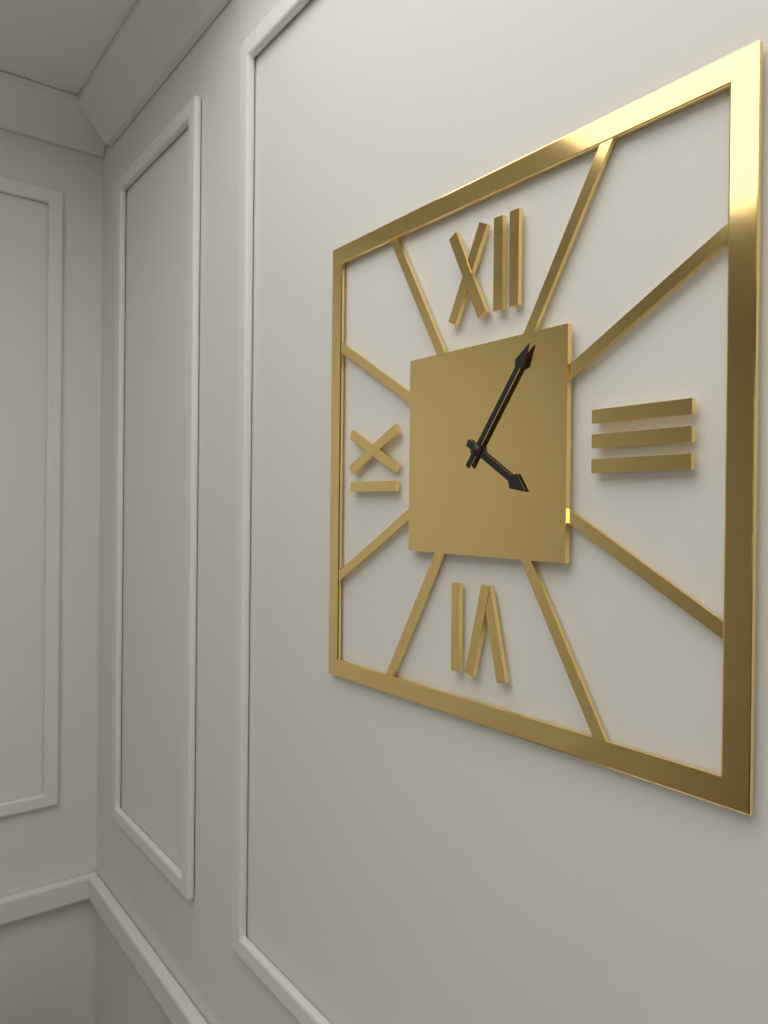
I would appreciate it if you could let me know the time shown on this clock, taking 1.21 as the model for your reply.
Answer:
4.06
